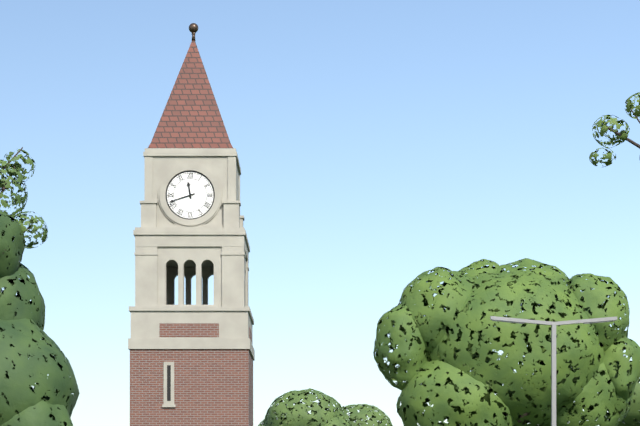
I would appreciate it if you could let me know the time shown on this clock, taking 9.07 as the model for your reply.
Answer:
11.42
